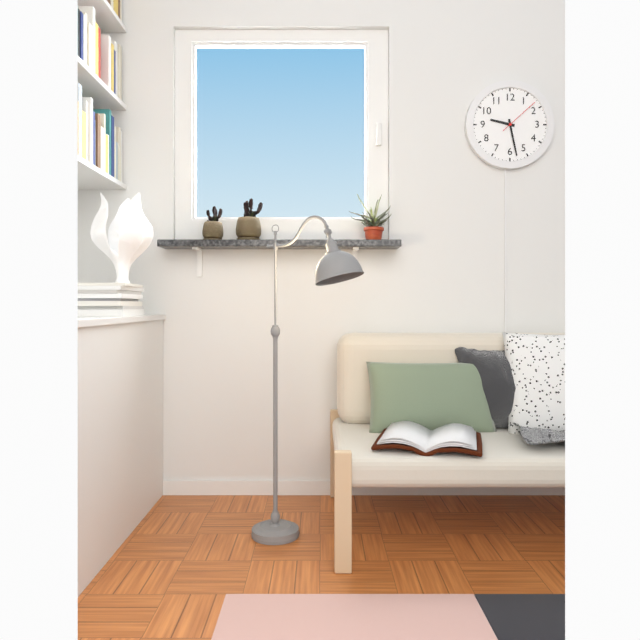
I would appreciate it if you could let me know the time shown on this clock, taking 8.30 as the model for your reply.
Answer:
9.28
